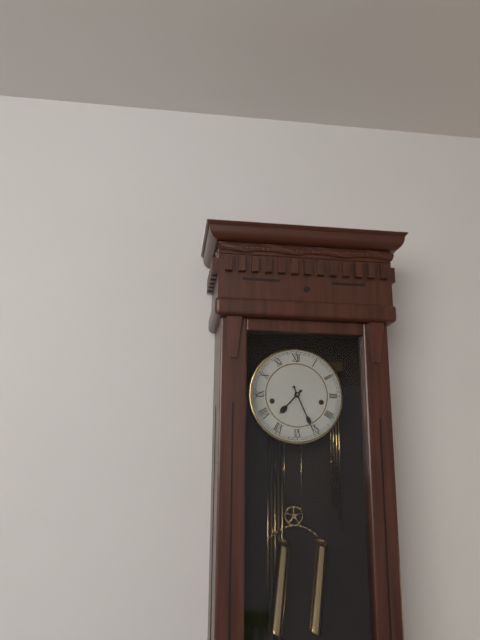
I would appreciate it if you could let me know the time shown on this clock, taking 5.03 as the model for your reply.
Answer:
7.26
